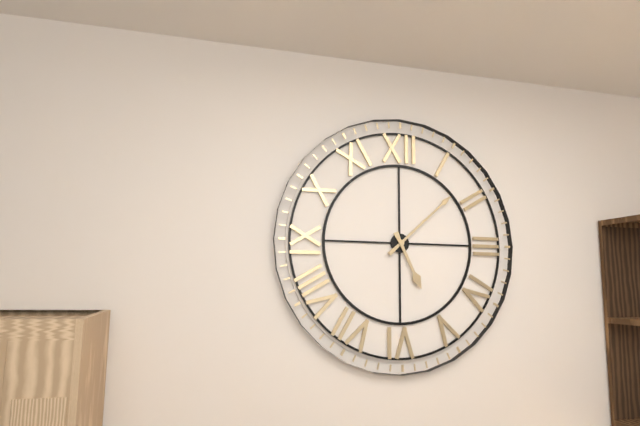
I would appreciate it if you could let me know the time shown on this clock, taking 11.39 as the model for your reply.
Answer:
5.08
